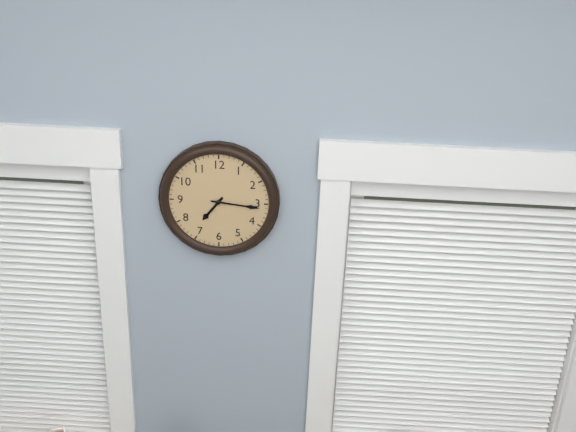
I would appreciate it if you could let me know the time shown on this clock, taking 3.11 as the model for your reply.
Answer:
7.16
